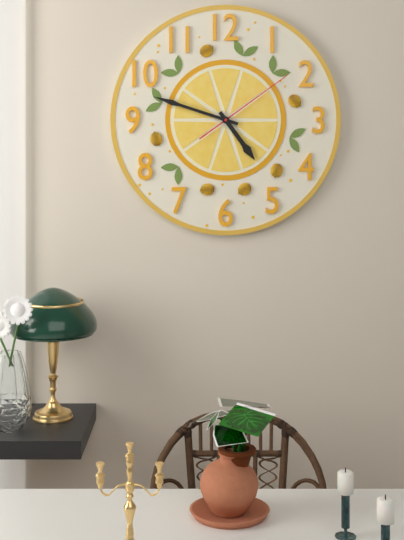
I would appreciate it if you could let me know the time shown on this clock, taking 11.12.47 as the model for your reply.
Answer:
4.48.09
